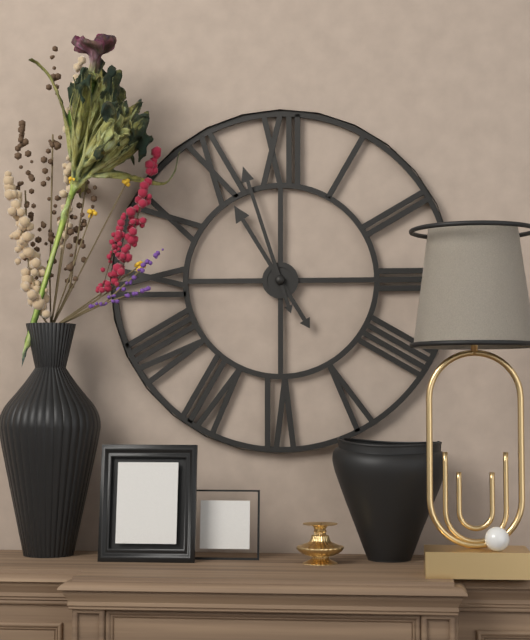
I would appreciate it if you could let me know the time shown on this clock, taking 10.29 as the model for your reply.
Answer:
10.57
